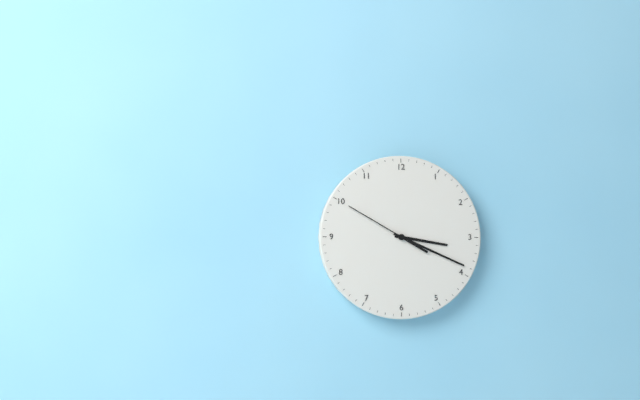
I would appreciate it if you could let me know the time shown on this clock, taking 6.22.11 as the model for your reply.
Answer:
3.19.50
